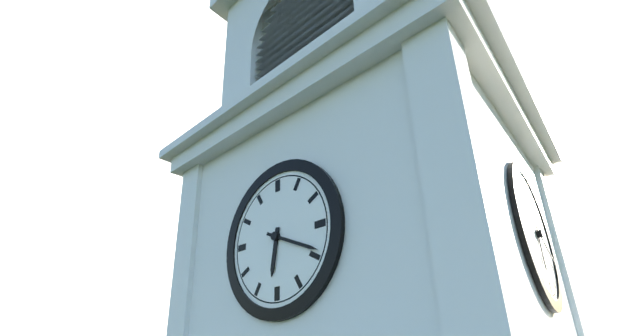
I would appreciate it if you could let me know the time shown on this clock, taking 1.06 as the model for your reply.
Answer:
6.19
